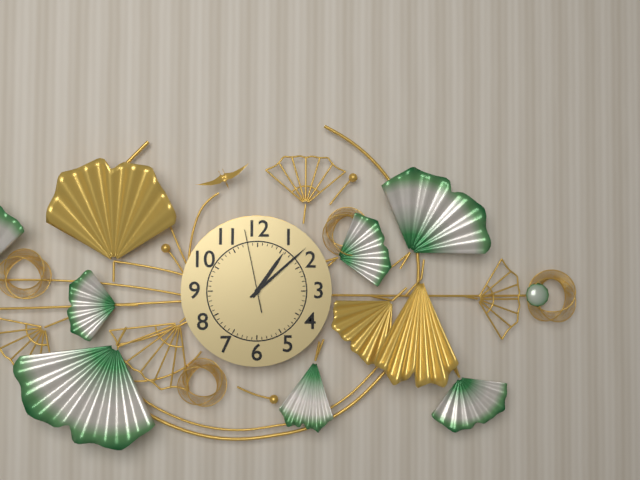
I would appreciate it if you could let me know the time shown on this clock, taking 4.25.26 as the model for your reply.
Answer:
1.08.58
